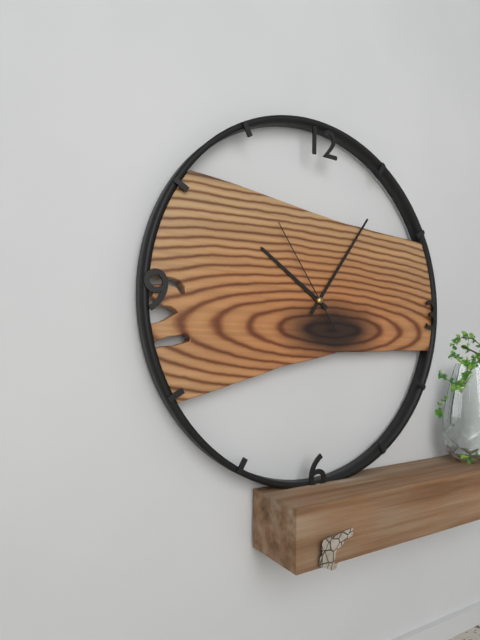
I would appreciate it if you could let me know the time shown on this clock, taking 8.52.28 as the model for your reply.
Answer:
10.06.54
